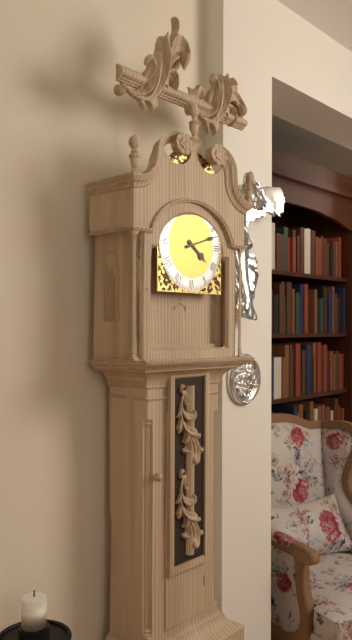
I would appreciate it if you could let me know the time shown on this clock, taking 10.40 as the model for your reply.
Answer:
4.12
